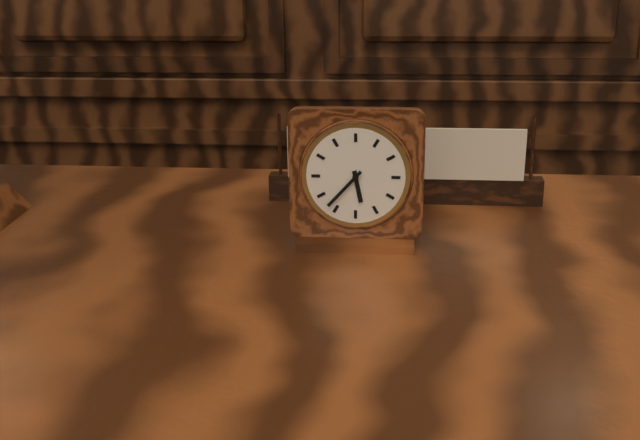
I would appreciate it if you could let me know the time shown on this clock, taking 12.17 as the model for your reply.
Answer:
5.37
